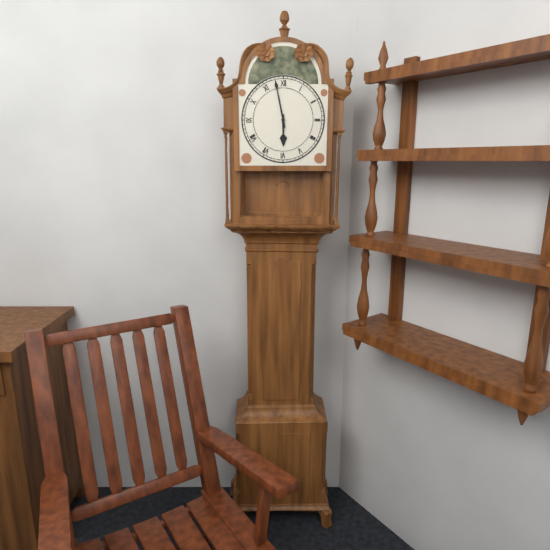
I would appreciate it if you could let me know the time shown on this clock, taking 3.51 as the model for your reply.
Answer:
5.58
